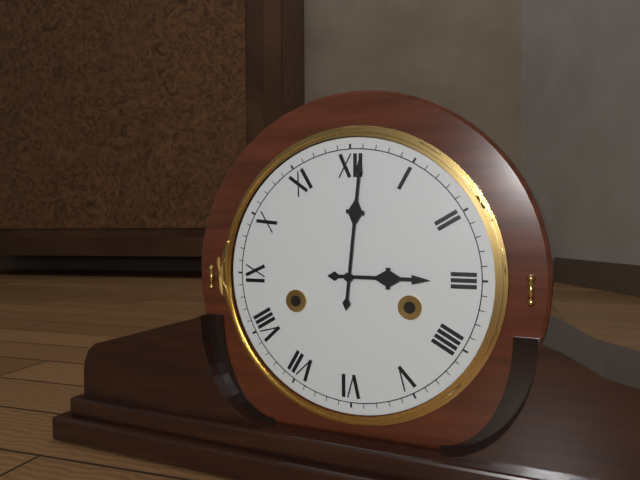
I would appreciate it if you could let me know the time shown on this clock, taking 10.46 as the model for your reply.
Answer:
3.01
